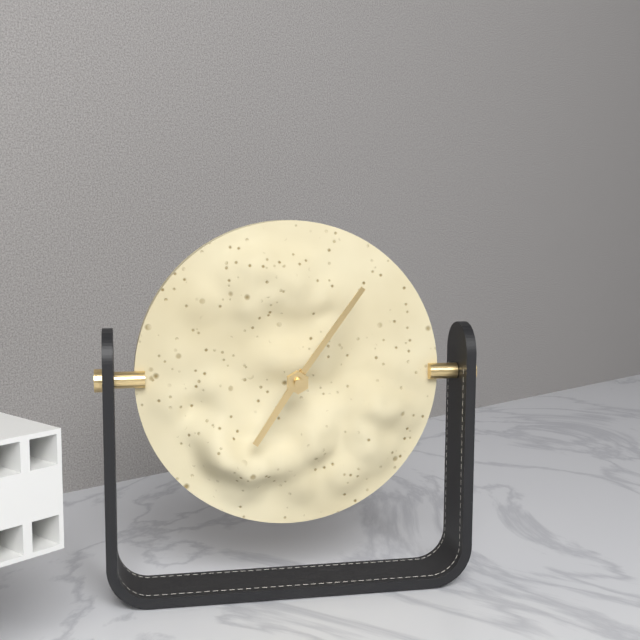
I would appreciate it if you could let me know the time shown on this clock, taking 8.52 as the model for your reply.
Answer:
7.06
